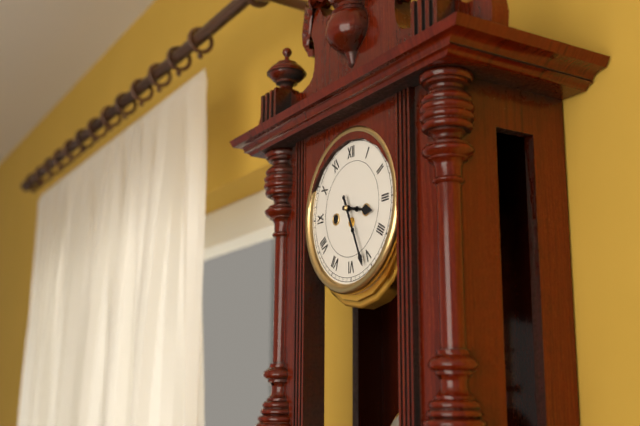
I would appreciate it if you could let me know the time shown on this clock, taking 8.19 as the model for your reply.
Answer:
3.26
